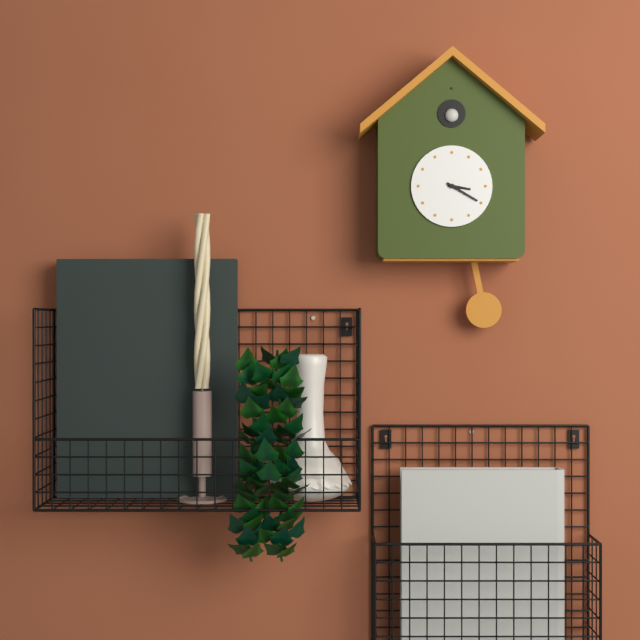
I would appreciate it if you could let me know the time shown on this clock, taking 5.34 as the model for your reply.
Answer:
3.20
